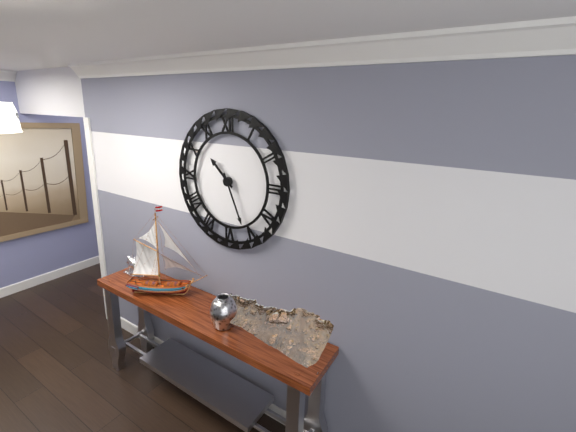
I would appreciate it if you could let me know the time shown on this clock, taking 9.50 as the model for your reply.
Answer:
10.26
